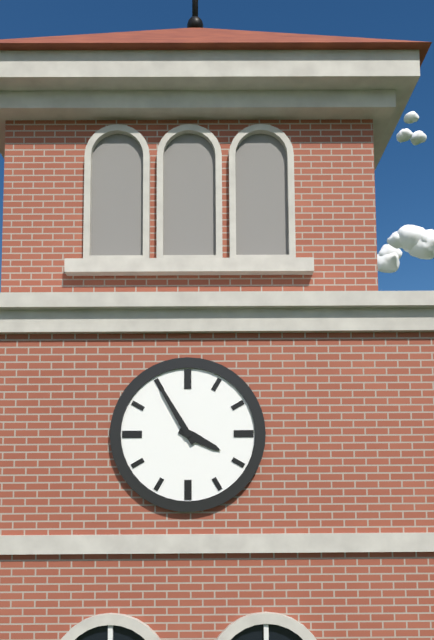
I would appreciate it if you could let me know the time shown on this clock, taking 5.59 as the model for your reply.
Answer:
3.55
